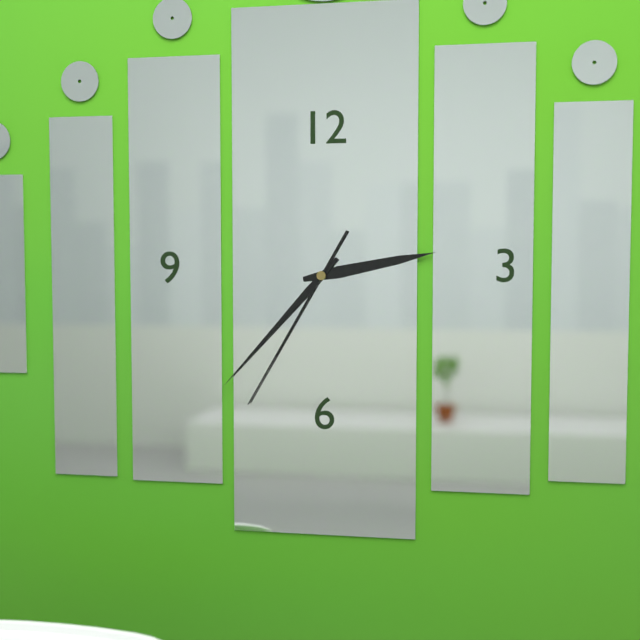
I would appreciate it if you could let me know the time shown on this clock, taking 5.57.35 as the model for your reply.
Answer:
2.37.35
